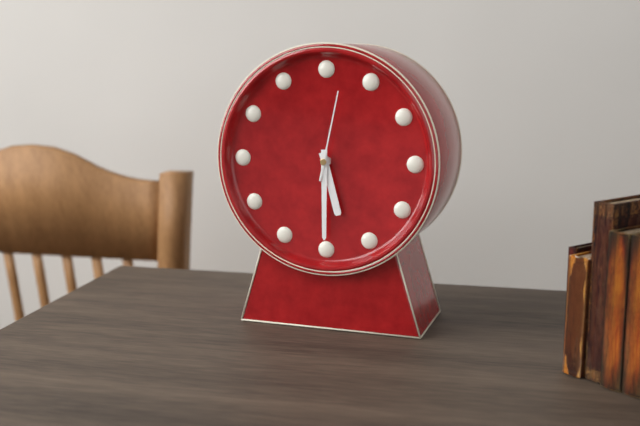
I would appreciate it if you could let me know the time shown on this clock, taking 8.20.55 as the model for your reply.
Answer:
5.30.02
